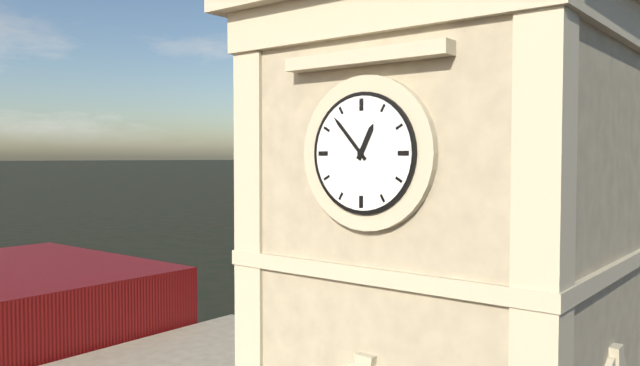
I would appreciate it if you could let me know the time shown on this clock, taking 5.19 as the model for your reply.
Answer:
12.53
